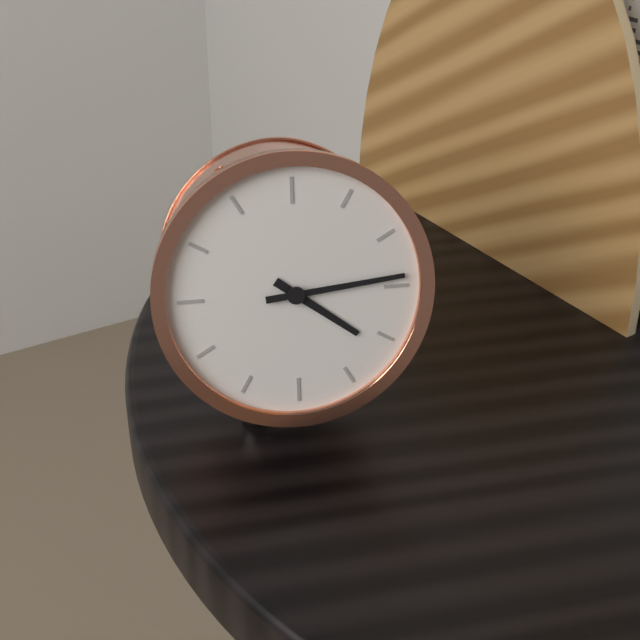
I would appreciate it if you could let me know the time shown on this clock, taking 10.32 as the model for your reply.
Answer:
4.14
